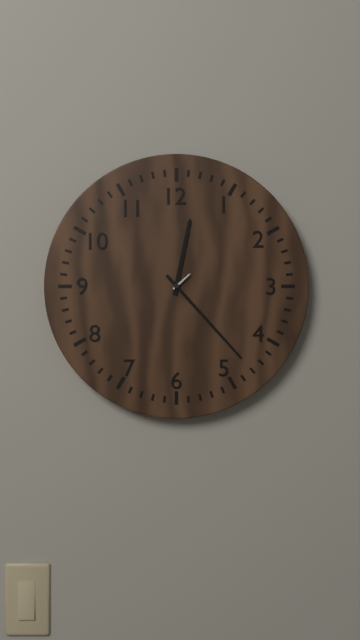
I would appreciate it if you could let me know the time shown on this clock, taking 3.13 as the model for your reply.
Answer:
12.23
